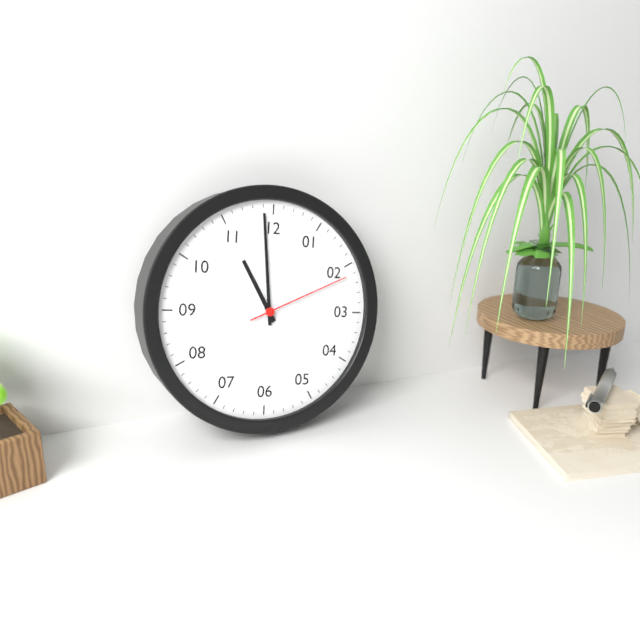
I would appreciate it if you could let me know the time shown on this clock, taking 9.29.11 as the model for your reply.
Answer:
10.59.11
